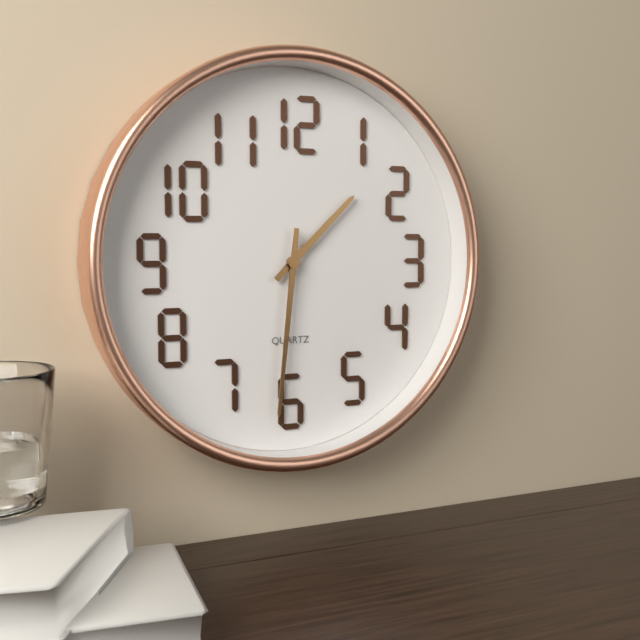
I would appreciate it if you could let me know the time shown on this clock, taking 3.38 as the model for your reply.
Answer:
1.31
